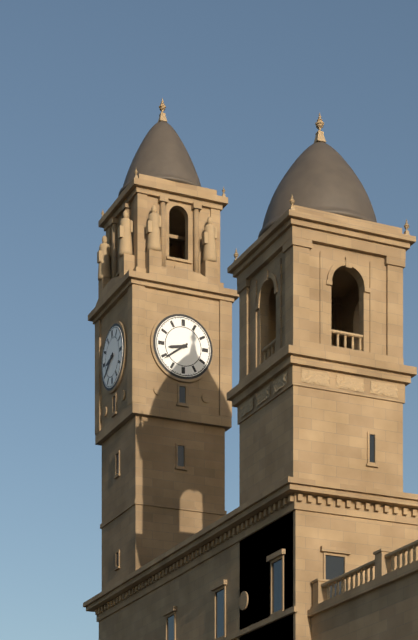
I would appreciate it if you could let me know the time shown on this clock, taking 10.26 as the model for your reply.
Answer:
8.39
